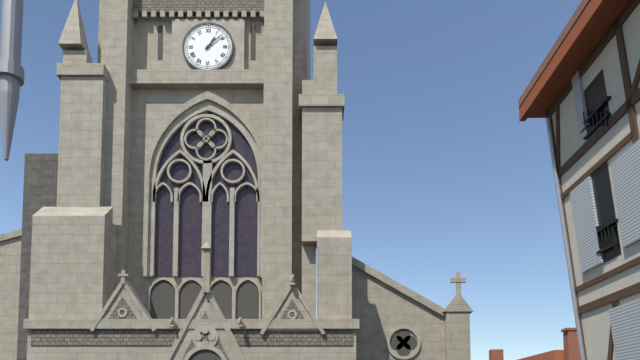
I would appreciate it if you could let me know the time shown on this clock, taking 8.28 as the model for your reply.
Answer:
1.08
